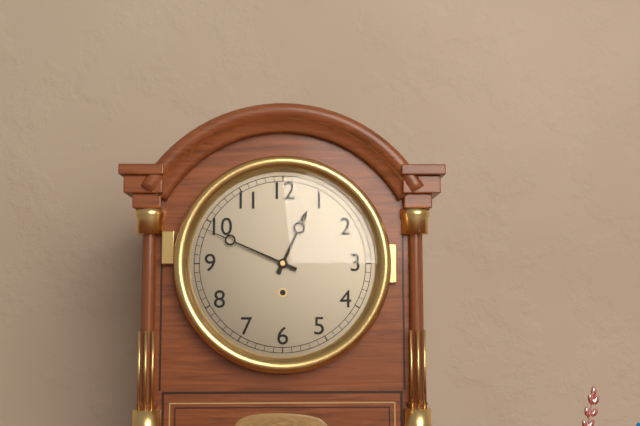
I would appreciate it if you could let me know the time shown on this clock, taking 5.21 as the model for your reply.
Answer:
12.49
